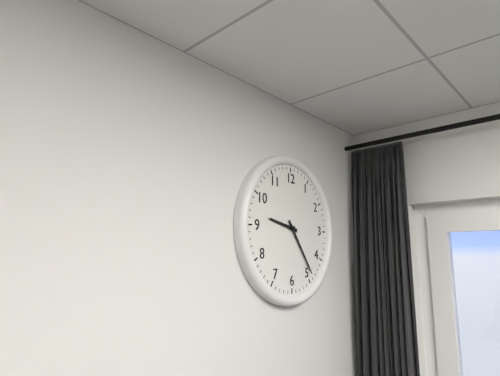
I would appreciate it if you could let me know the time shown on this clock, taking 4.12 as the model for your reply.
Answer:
9.24
